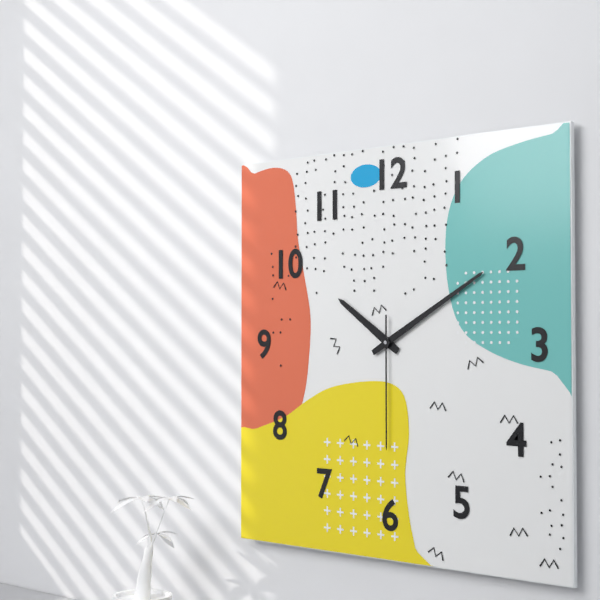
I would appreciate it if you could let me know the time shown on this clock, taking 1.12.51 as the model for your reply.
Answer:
10.10.30
